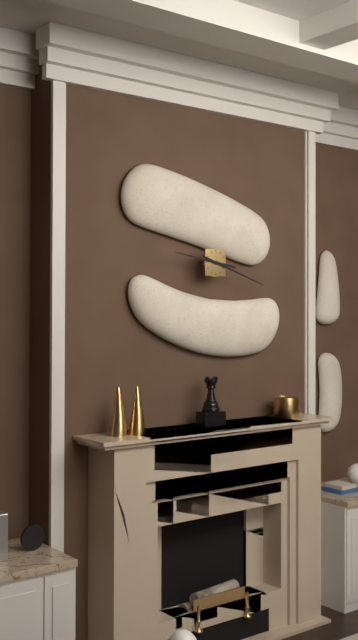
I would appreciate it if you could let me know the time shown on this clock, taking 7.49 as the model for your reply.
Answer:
9.18
